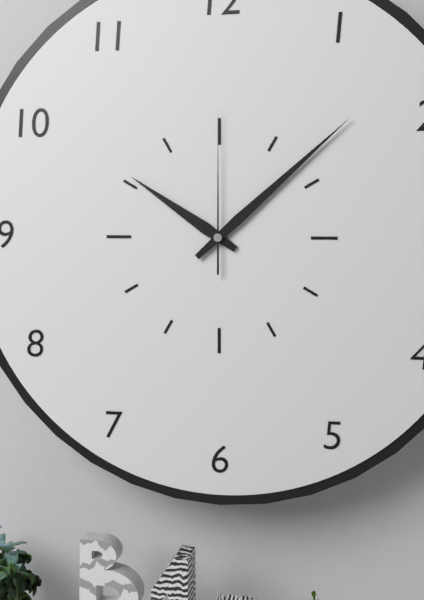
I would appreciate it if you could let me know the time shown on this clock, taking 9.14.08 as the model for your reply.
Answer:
10.08.00
